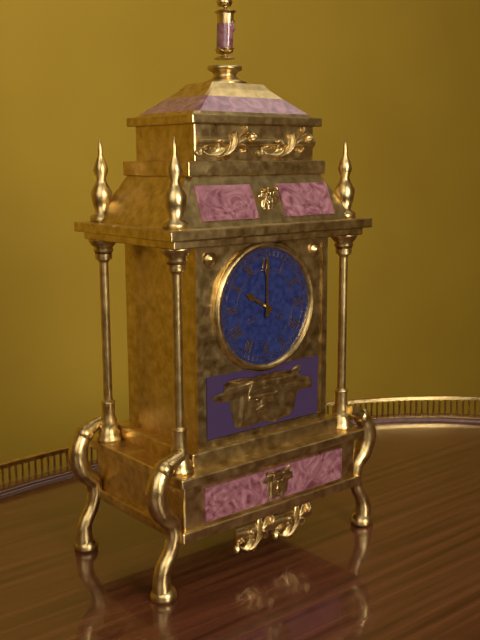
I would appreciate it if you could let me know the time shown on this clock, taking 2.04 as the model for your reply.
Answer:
10.00
